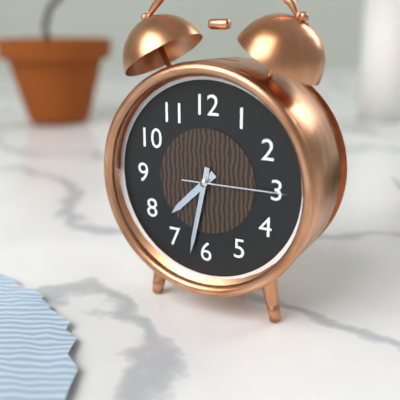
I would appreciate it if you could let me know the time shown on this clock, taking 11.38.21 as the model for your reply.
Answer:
7.32.15
